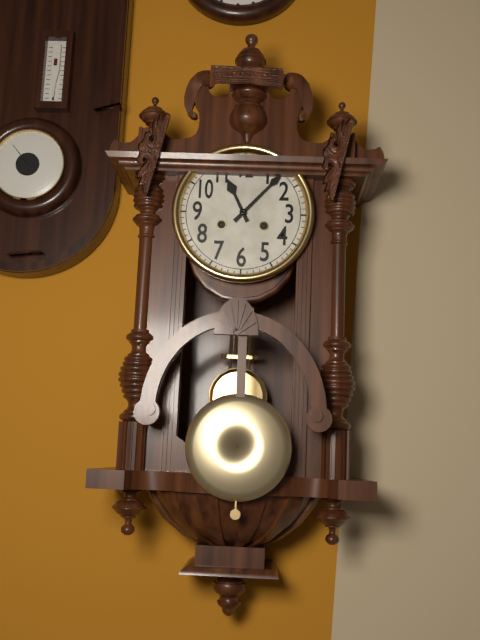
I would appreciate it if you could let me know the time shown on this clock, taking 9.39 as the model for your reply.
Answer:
11.07
